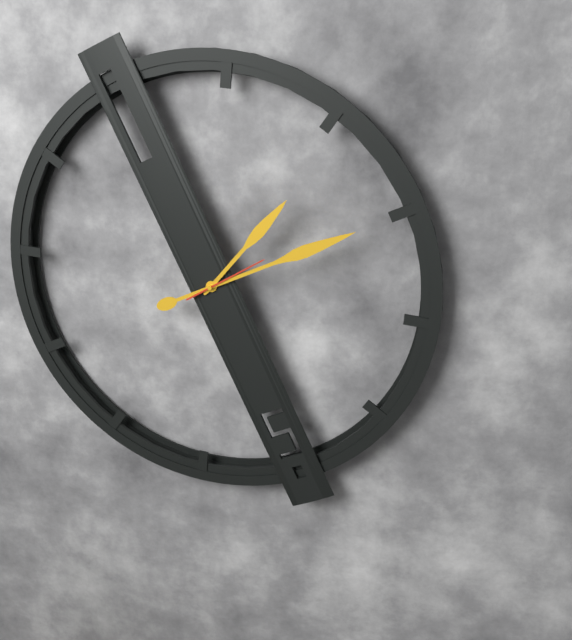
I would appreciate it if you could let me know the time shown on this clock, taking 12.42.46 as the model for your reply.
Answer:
1.10.09
